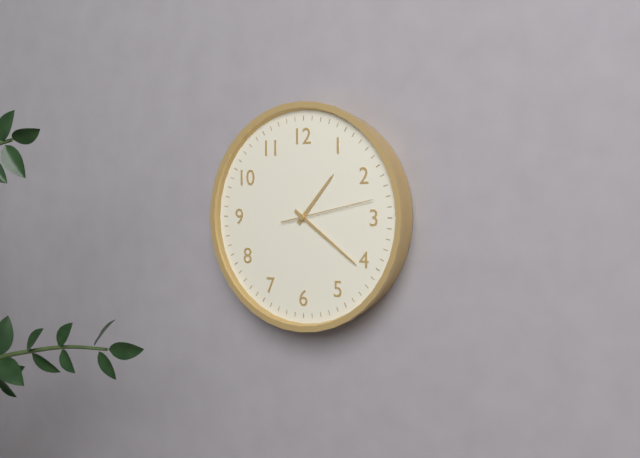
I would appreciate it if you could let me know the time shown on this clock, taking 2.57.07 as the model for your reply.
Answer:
1.21.13
